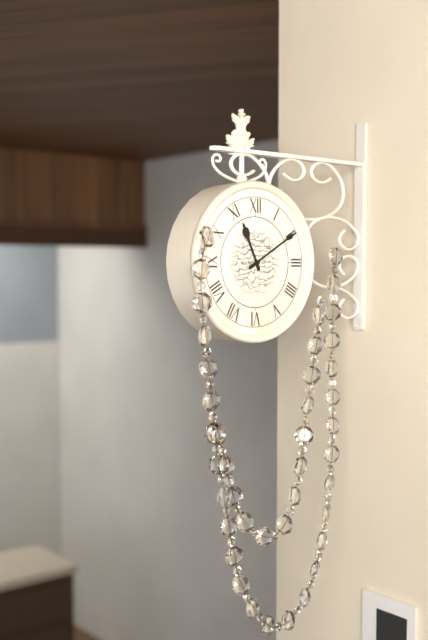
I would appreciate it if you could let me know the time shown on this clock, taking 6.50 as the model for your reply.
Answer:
11.10
